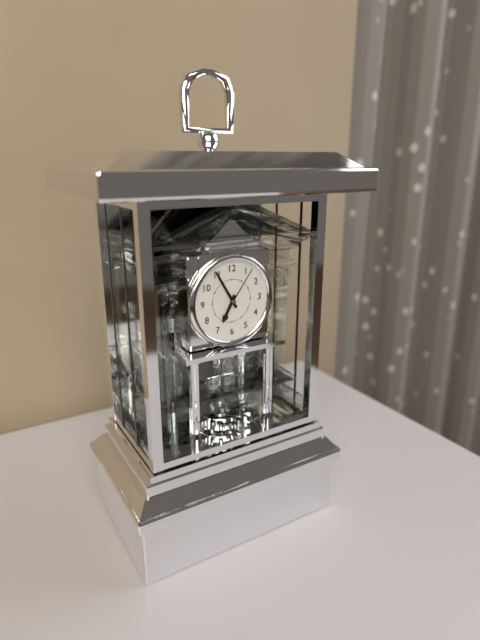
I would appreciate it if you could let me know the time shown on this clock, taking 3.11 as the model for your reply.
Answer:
6.55
